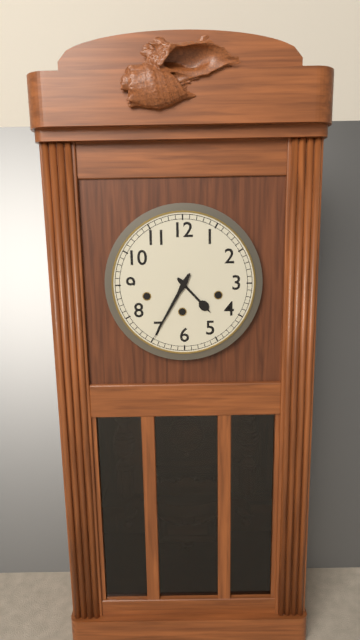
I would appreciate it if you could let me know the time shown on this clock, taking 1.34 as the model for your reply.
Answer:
4.35
